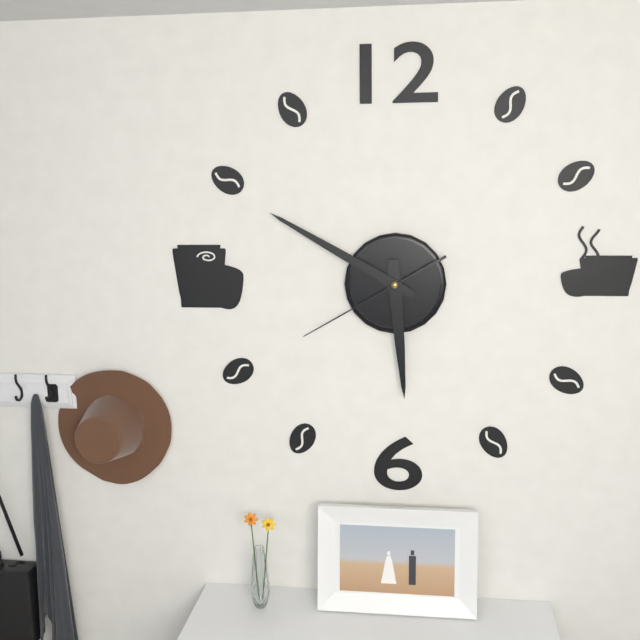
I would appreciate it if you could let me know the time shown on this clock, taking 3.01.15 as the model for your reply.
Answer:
5.50.40
